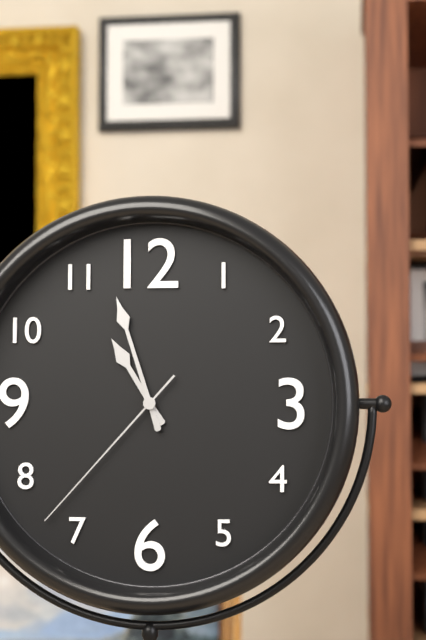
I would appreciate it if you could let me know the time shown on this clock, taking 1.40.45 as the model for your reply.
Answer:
10.57.37
